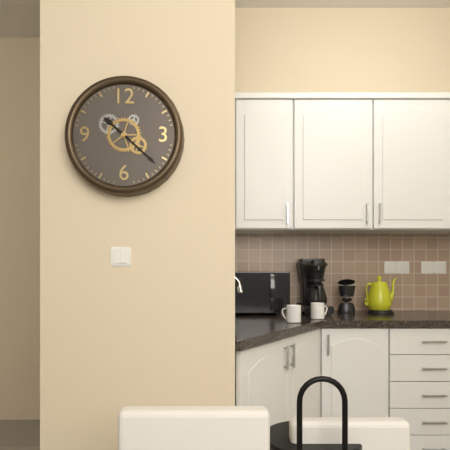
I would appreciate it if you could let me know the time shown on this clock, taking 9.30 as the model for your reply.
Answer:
10.22
